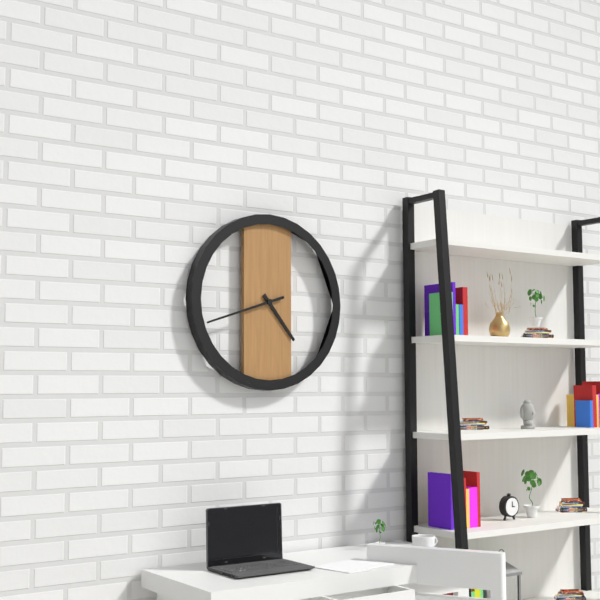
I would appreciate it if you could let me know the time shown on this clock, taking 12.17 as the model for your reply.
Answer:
4.42
